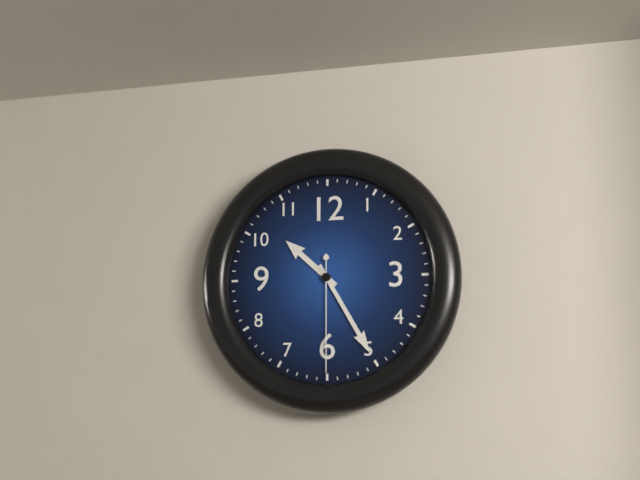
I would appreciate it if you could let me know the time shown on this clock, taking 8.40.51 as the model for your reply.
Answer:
10.25.30
